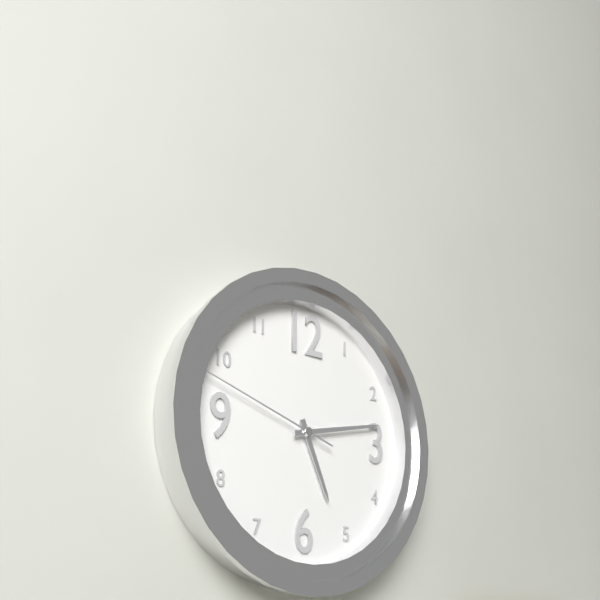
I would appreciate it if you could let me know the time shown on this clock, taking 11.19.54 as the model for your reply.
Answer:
5.13.48
